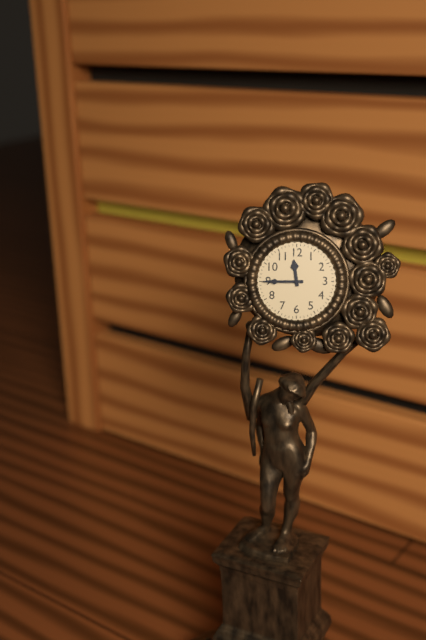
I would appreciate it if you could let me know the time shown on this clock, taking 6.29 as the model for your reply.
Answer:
11.45
